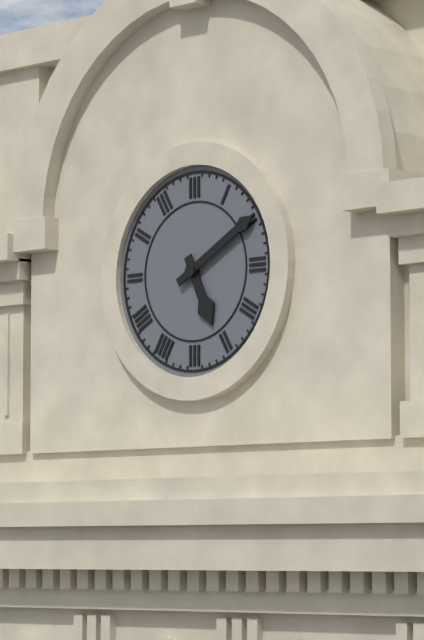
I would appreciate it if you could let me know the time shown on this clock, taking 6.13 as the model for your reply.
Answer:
5.10
